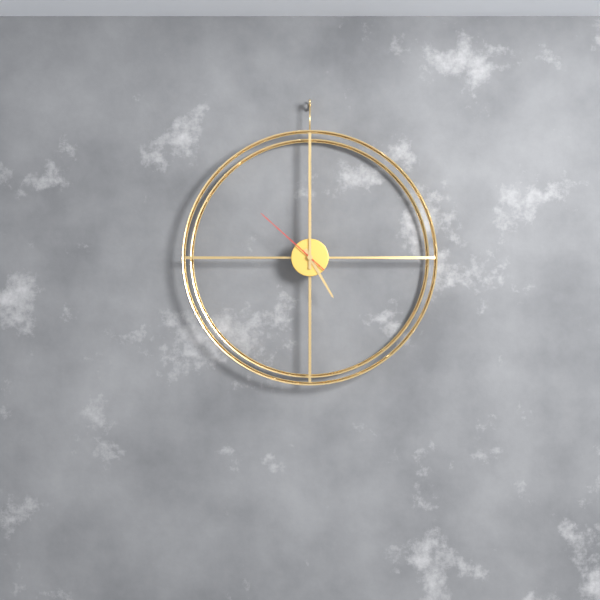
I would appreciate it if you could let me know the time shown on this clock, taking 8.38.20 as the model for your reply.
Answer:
5.00.52
